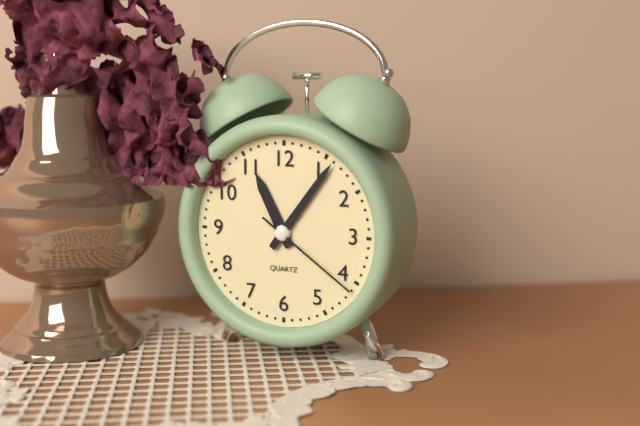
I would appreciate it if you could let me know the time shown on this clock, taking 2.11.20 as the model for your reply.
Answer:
11.06.21
